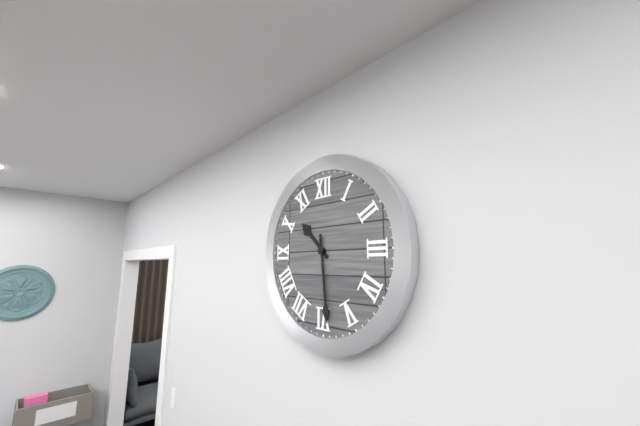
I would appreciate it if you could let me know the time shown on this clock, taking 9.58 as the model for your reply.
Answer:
10.29
